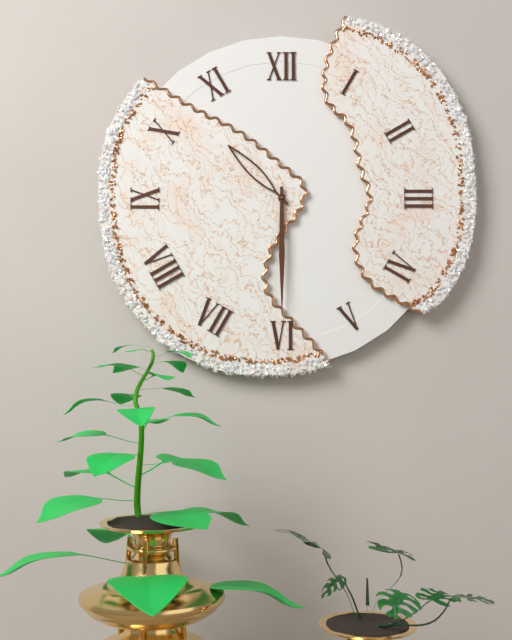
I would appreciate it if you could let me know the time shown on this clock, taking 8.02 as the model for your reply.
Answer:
10.30
